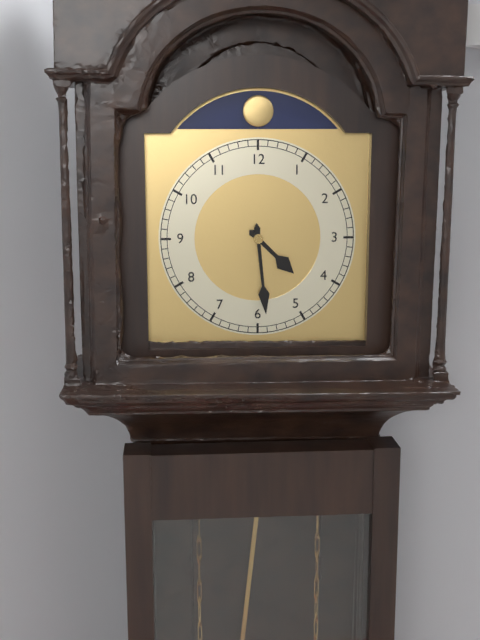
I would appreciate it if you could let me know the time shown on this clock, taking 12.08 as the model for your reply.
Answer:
4.29
